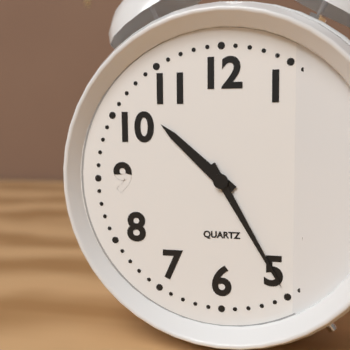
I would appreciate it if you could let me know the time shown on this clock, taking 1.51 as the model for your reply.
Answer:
10.25
